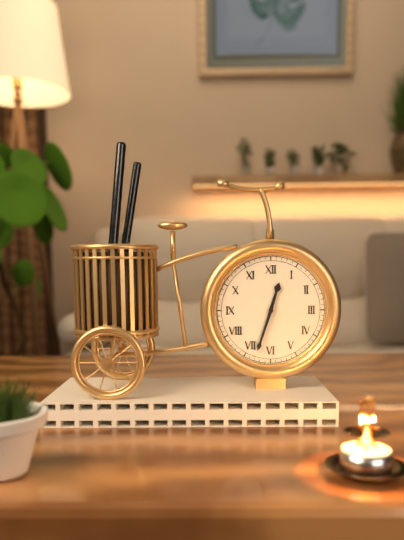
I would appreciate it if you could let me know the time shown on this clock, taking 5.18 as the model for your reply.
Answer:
12.33
